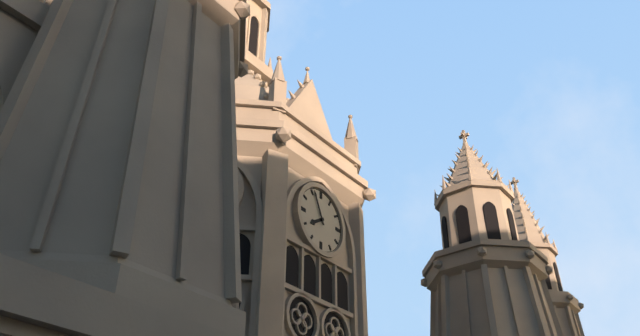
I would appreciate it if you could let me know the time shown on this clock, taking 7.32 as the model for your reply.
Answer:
7.56
